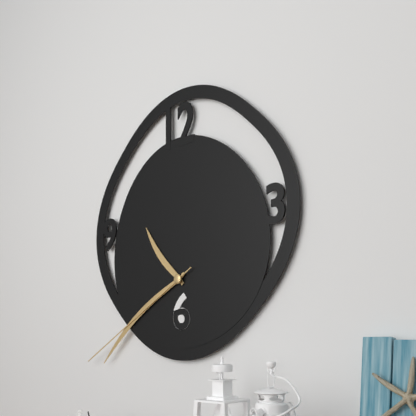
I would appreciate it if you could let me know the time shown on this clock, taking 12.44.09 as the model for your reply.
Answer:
10.39.40
